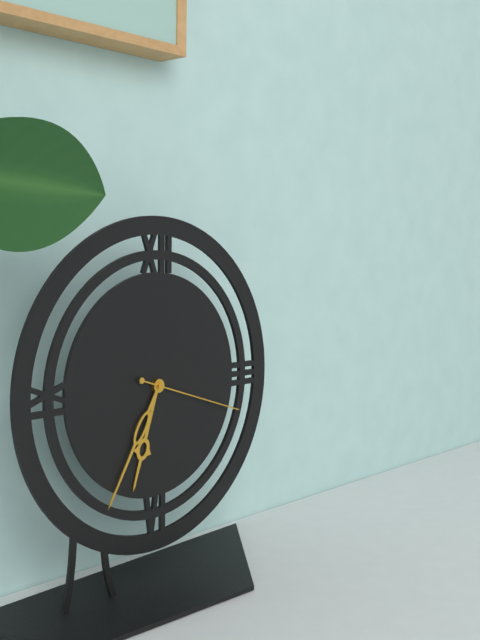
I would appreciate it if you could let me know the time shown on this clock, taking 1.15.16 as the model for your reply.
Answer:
6.35.18
